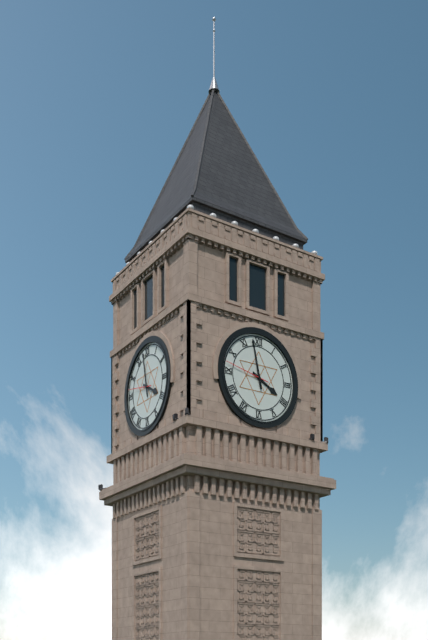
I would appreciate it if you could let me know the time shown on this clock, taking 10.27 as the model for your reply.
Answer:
3.58
